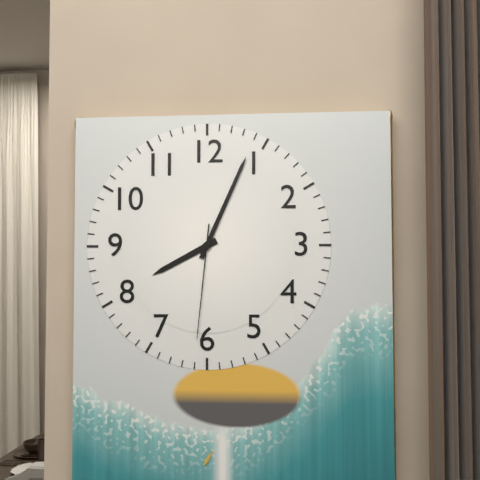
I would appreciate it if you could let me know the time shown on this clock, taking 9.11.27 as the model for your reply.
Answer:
8.04.31
